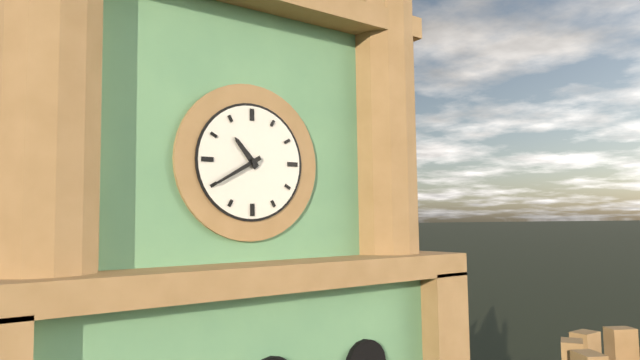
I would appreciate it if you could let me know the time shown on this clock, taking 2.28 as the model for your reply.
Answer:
10.40
